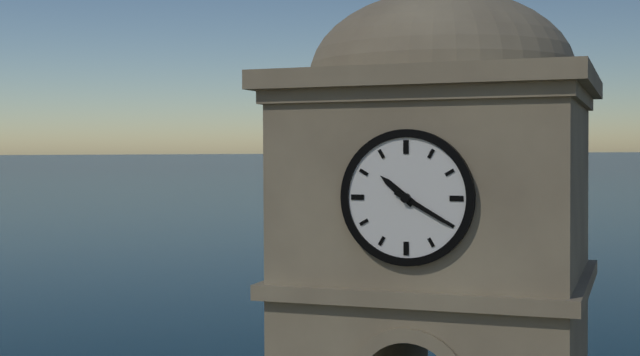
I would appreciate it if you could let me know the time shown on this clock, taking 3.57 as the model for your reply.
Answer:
10.20
